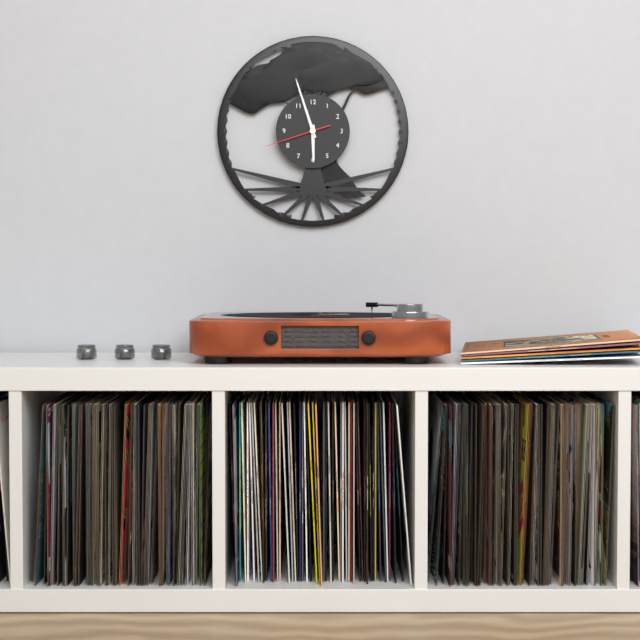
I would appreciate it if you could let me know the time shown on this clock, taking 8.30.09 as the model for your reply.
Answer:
5.57.42
